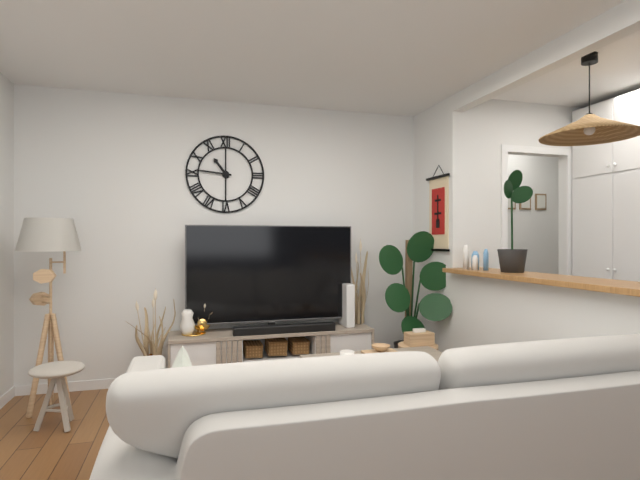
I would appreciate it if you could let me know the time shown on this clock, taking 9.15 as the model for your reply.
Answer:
10.46
